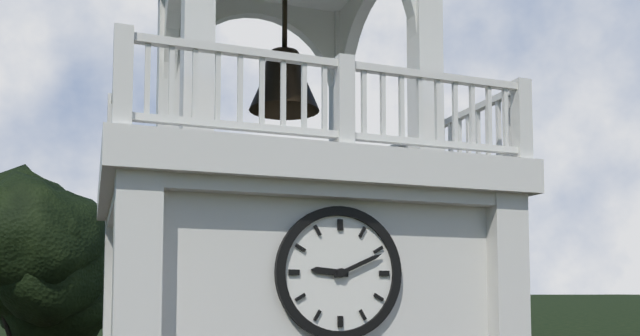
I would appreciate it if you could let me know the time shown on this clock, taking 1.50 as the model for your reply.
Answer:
9.11
